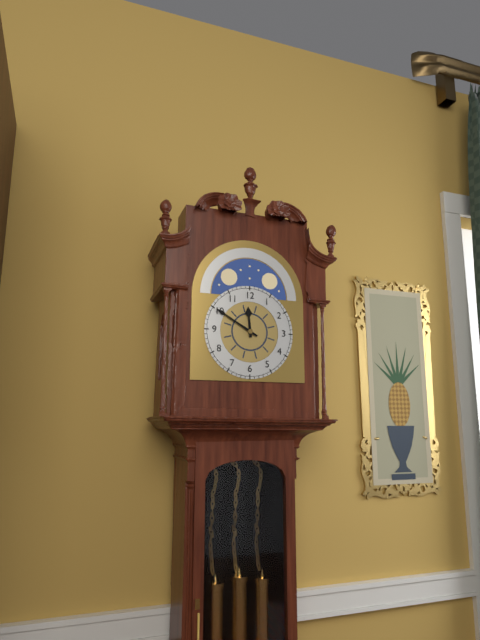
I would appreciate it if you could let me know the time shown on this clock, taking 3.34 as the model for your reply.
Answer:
11.50
